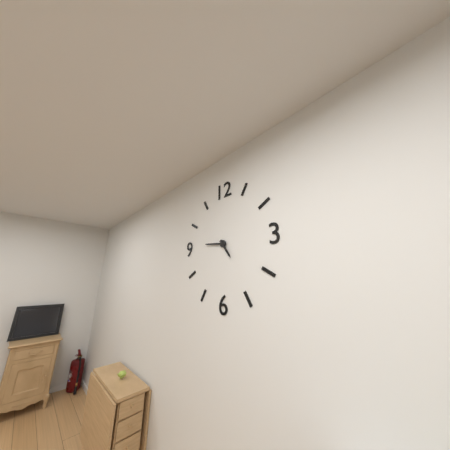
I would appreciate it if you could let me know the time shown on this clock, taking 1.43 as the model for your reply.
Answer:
4.46
